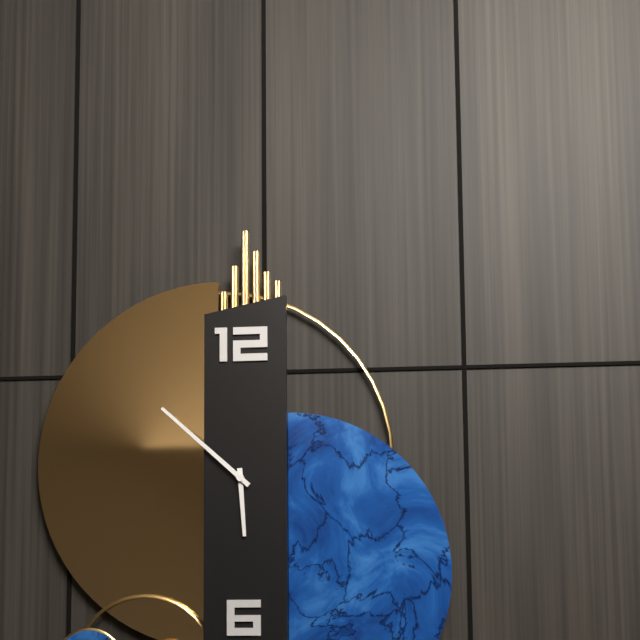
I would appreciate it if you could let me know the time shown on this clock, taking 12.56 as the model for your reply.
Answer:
5.52
